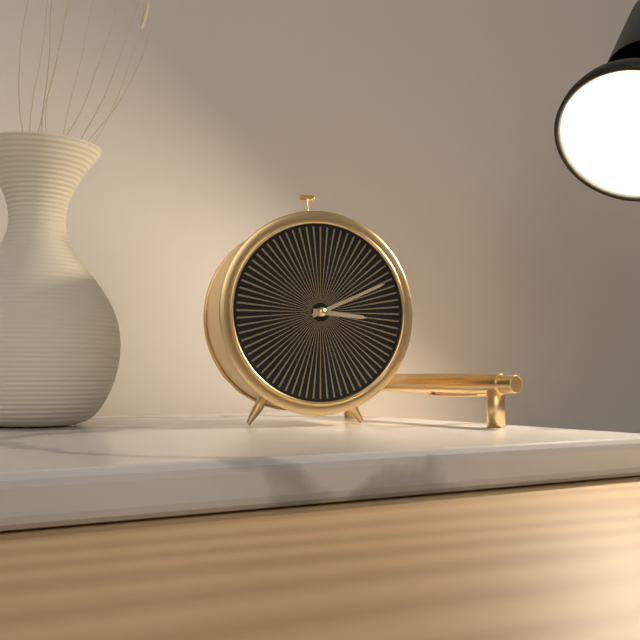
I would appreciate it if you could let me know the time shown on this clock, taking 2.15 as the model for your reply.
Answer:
3.11
